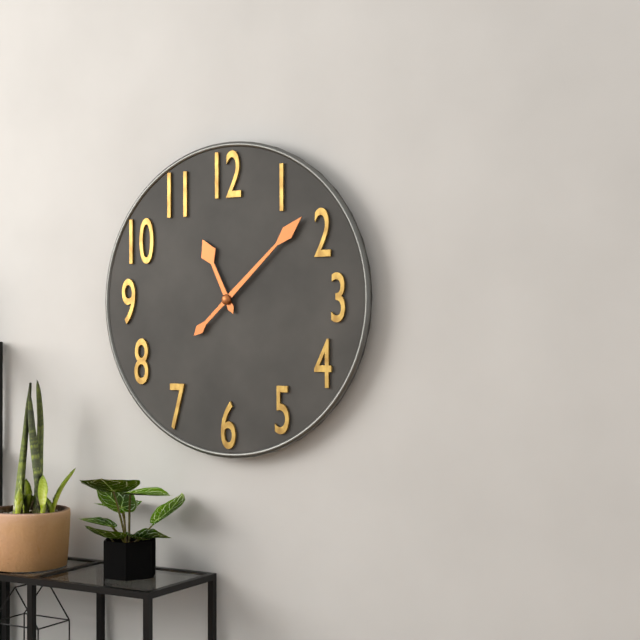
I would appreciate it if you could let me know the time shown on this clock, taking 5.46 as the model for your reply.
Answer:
11.08
